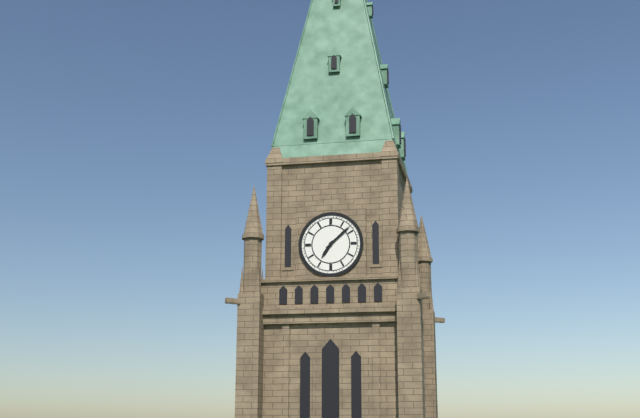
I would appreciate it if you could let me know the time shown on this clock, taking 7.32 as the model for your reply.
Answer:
7.08
